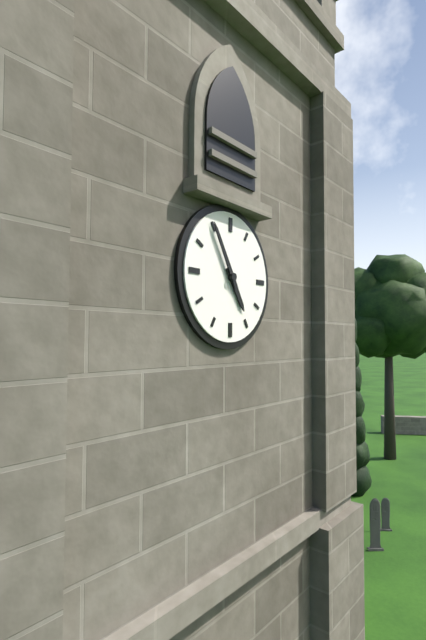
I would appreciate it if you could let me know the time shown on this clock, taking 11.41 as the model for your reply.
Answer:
4.55
